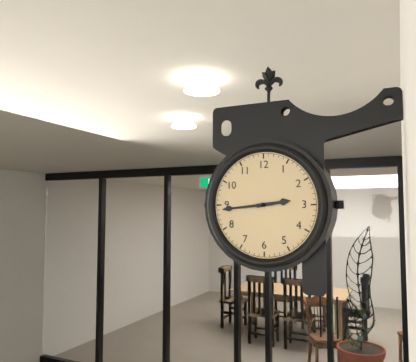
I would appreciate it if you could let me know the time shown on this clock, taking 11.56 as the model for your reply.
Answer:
2.44
